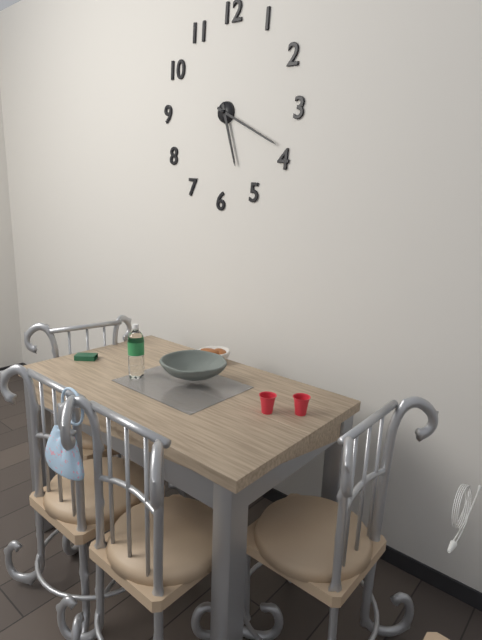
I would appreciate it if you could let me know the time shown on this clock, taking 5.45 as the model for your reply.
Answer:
5.19
